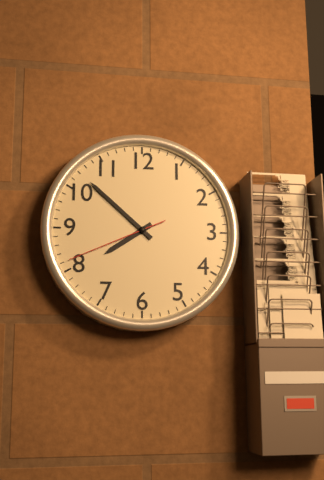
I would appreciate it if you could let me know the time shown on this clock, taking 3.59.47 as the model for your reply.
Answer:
7.52.41
